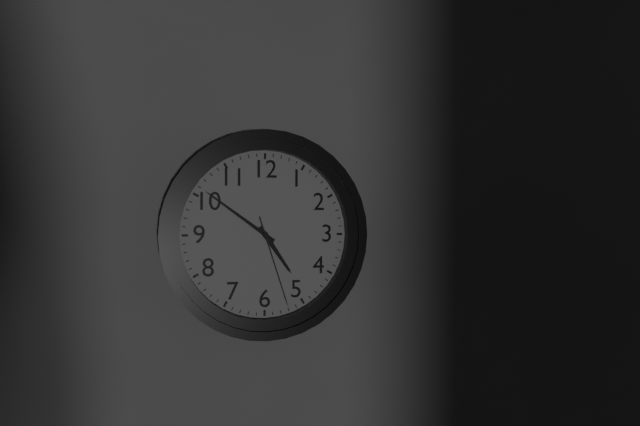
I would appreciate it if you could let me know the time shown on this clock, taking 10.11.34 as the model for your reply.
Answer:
4.51.27
